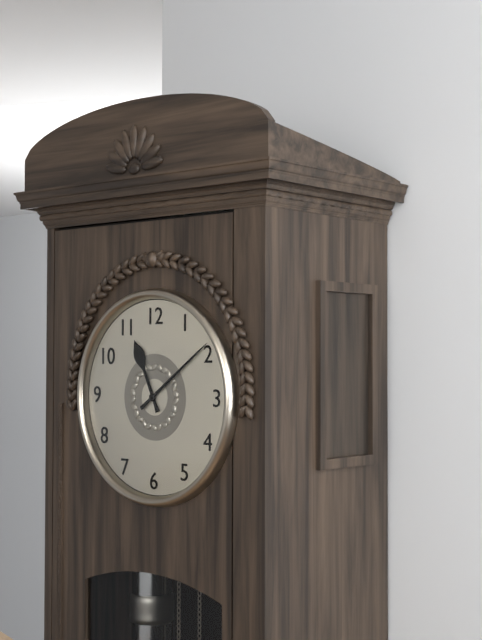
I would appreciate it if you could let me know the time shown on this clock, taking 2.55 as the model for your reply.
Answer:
11.09
